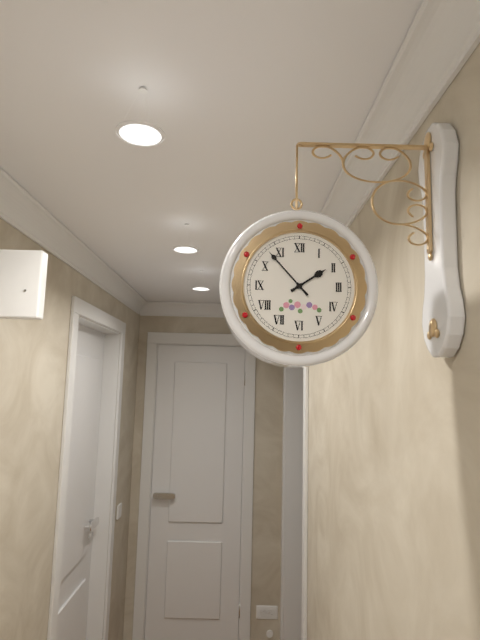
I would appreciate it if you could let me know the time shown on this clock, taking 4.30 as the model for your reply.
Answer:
1.53
